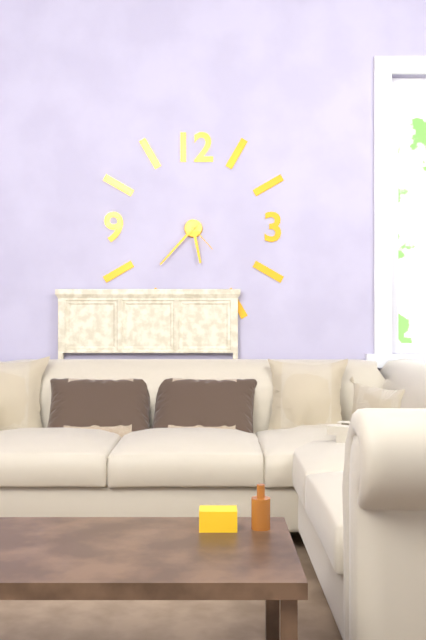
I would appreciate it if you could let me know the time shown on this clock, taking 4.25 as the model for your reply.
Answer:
5.37
